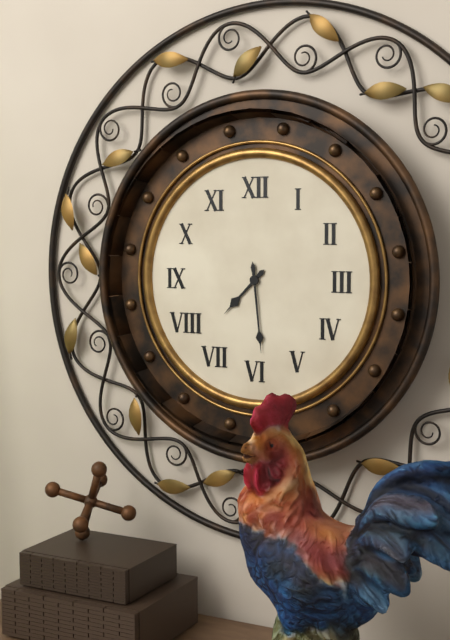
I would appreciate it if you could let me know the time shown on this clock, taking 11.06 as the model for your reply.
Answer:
7.29
